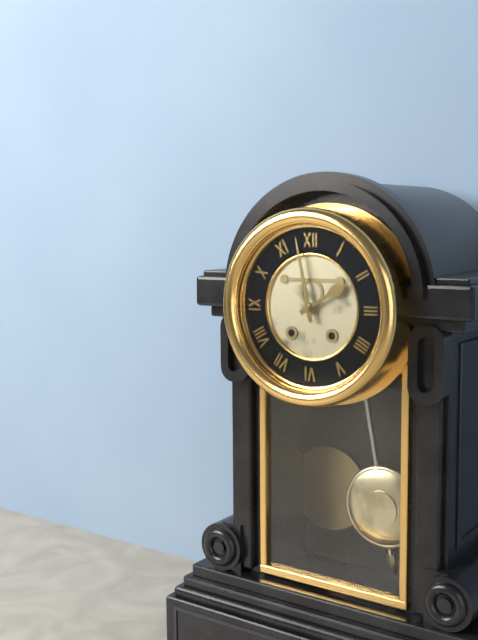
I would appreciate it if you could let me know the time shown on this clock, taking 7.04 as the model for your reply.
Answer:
1.58
